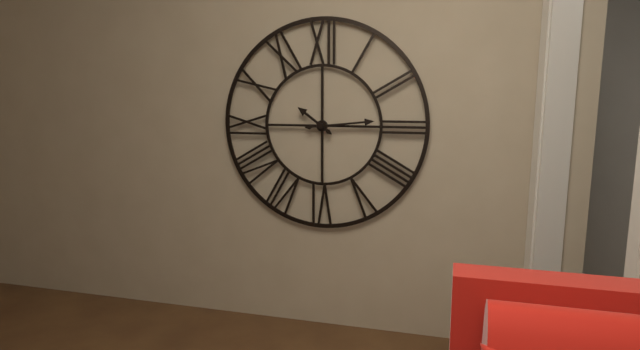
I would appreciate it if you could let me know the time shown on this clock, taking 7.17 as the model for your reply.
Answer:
10.14
